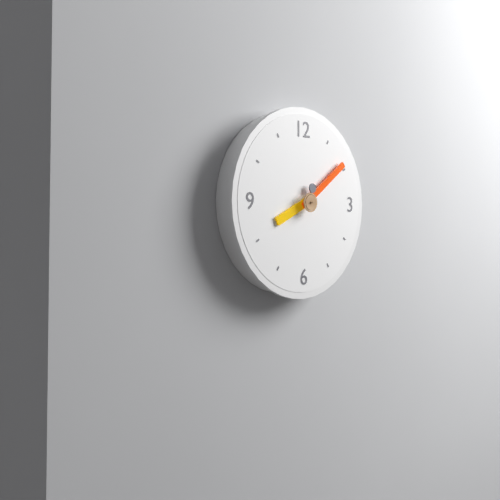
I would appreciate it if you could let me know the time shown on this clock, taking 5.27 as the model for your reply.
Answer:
8.09
